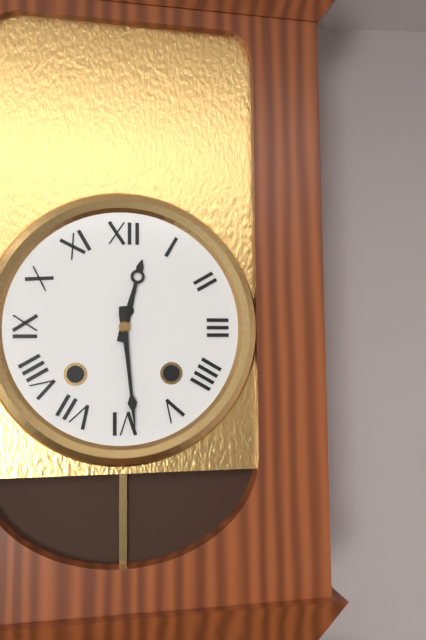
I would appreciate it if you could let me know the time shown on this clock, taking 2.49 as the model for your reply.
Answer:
12.29
